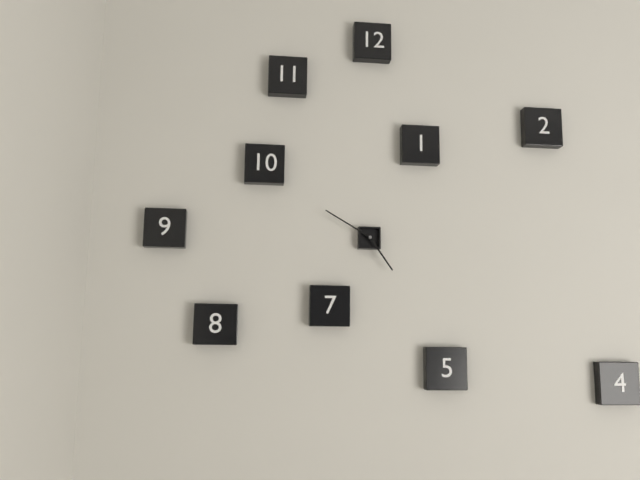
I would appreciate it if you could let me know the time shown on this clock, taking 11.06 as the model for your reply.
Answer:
4.50
